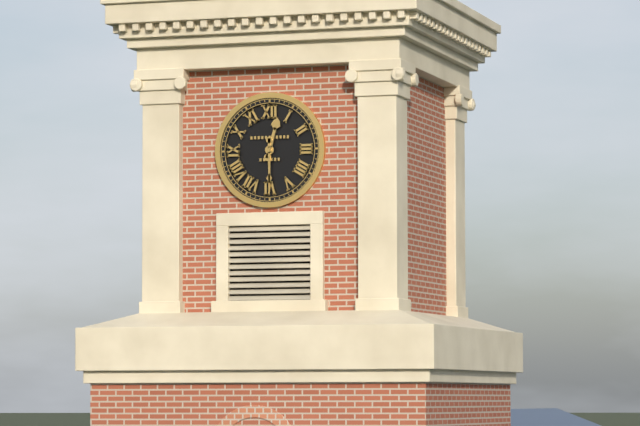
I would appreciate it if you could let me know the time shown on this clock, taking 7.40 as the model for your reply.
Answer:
12.30
